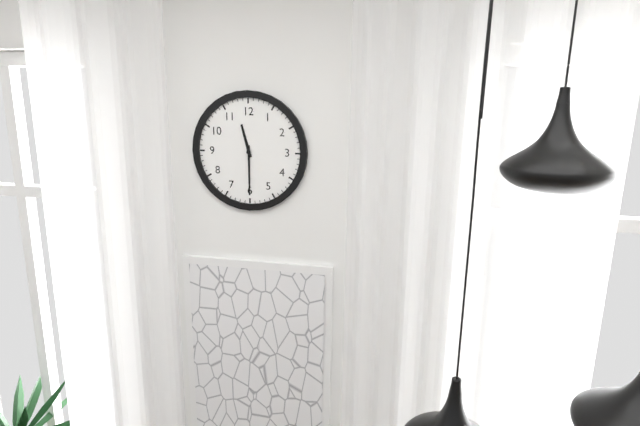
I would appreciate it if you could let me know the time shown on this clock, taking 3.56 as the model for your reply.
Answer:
11.30
